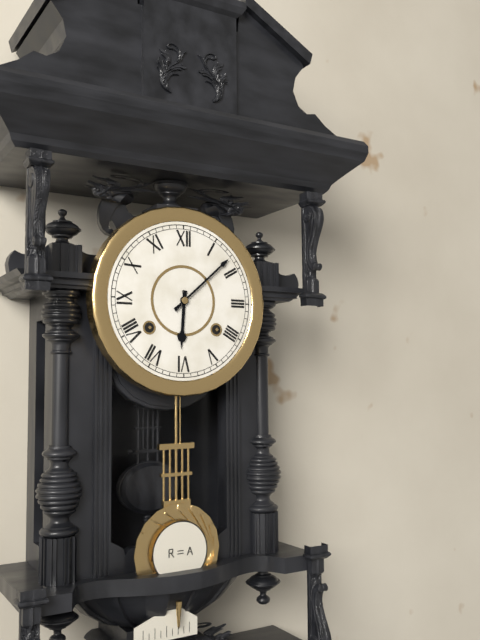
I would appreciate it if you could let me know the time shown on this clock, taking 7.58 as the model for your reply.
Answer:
6.08
